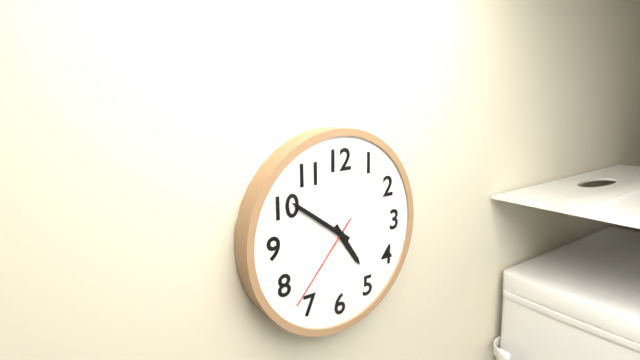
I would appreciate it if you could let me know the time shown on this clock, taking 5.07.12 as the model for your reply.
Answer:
4.51.37
